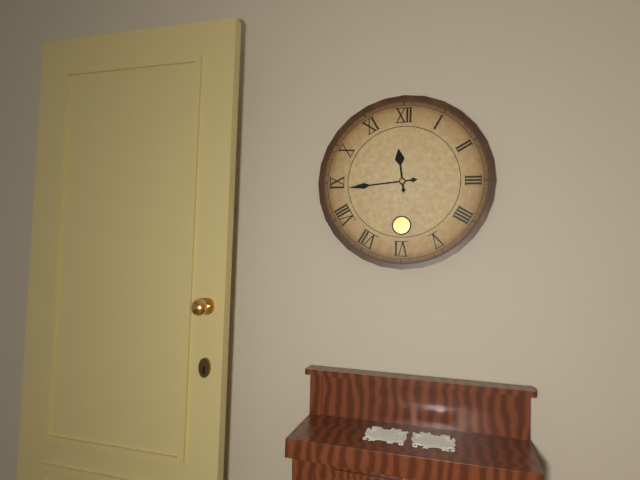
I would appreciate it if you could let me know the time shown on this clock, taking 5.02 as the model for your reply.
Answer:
11.44
